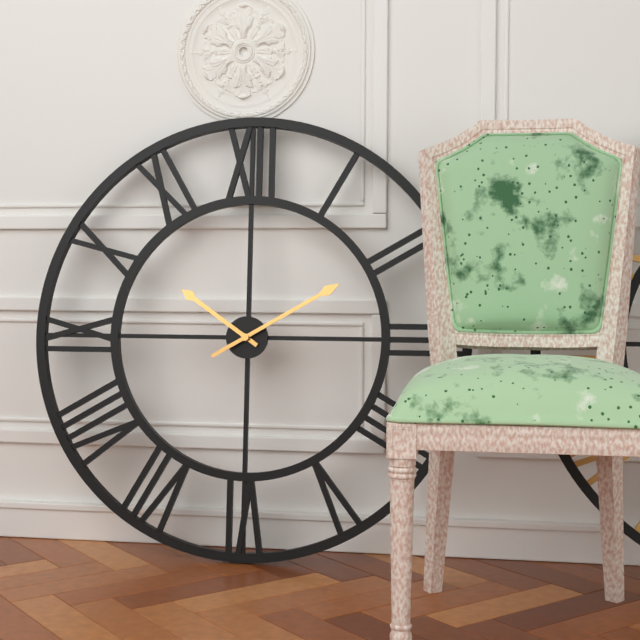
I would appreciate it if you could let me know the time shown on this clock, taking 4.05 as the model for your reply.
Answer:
10.10
